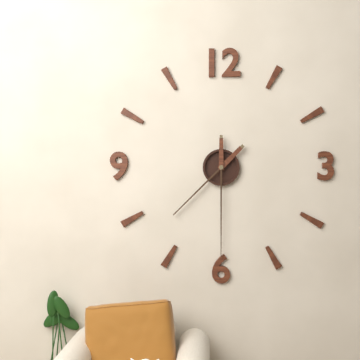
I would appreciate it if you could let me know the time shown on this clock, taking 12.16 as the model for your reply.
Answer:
7.30
